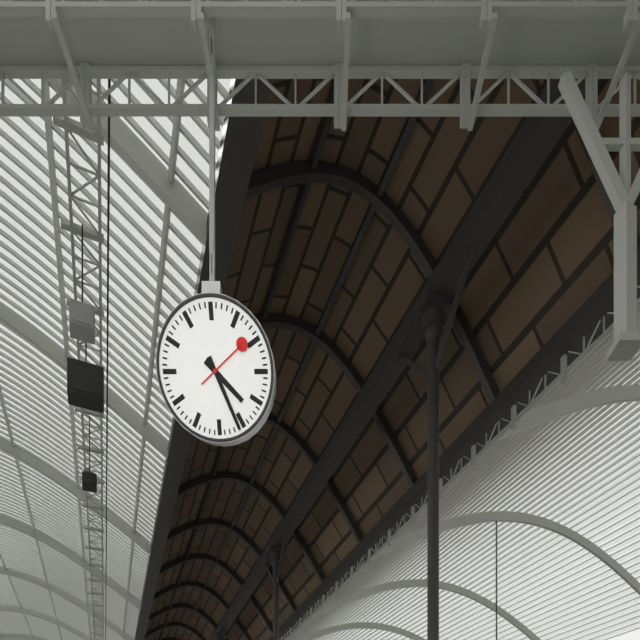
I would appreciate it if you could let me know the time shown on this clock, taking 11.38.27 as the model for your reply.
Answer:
4.26.09
